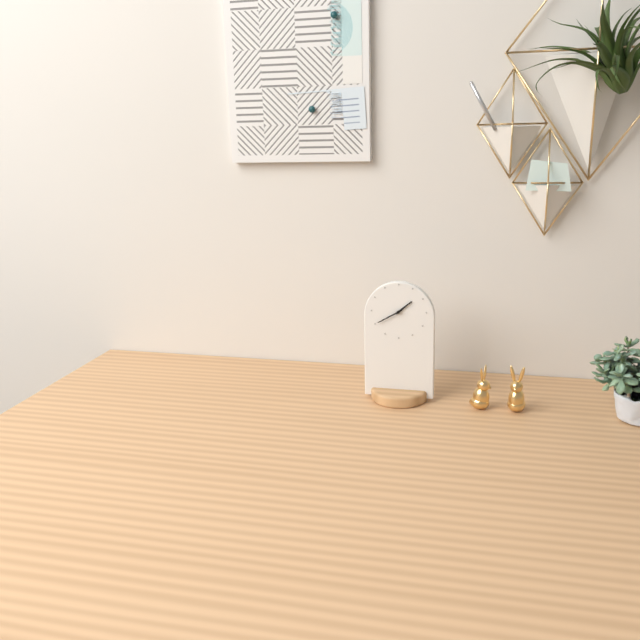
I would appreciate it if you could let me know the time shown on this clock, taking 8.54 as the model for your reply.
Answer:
1.40
